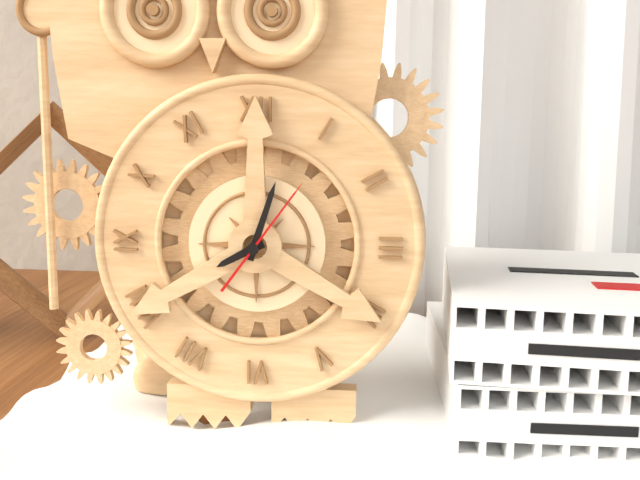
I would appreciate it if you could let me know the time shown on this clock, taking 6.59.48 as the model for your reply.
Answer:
8.03.06
